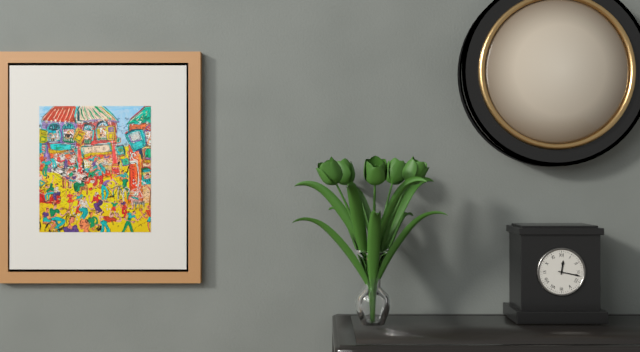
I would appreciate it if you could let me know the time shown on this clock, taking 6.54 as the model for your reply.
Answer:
12.17
